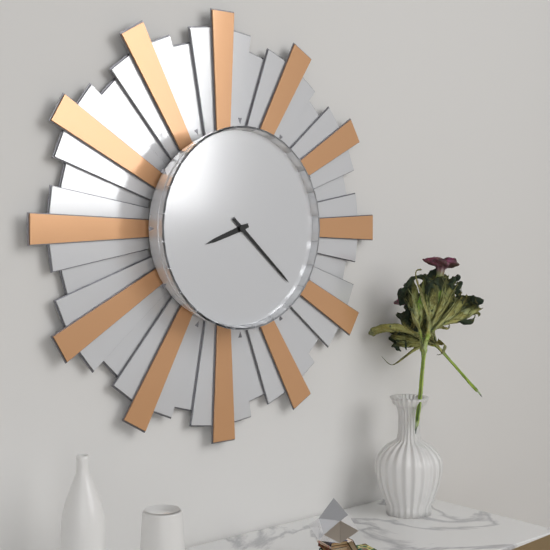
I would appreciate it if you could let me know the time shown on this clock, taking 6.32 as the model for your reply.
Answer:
8.22
